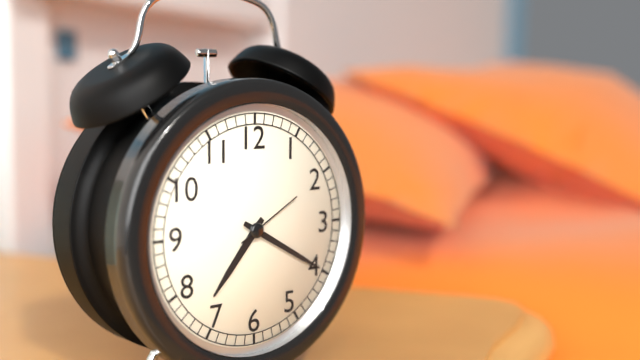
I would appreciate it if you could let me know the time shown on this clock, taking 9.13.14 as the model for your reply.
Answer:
7.20.10
